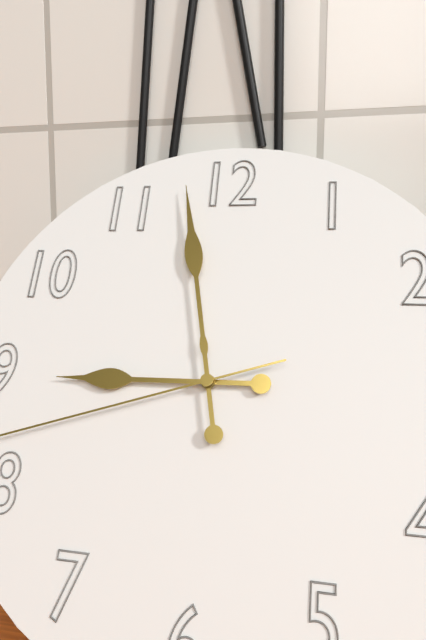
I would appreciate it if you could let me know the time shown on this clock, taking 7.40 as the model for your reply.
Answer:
8.58
